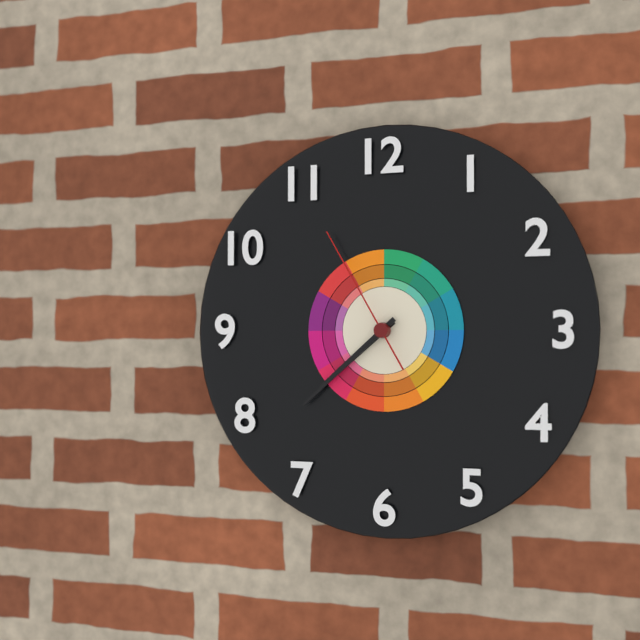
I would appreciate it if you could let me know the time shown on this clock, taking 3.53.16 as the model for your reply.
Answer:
7.38.55
